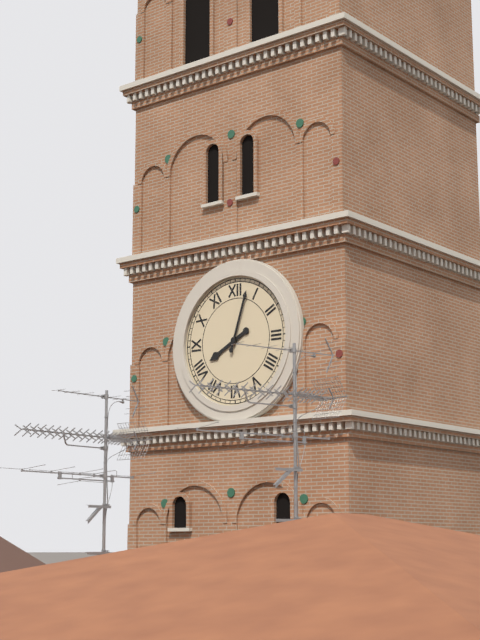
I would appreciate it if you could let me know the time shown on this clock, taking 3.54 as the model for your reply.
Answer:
8.03
